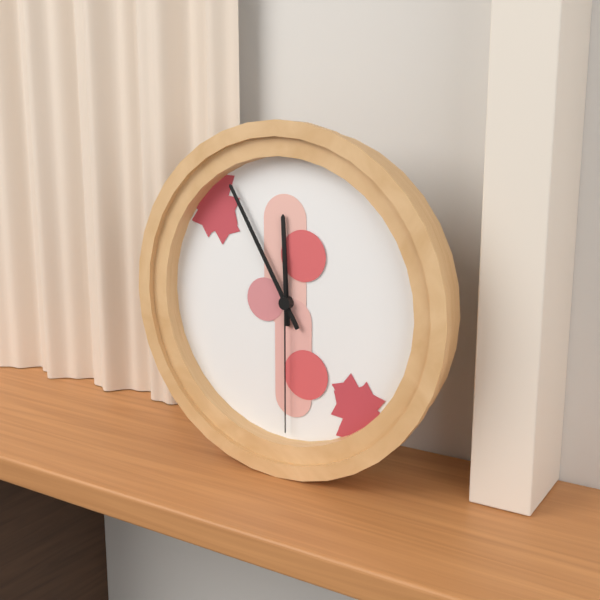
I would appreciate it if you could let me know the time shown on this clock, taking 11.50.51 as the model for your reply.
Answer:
11.55.30
